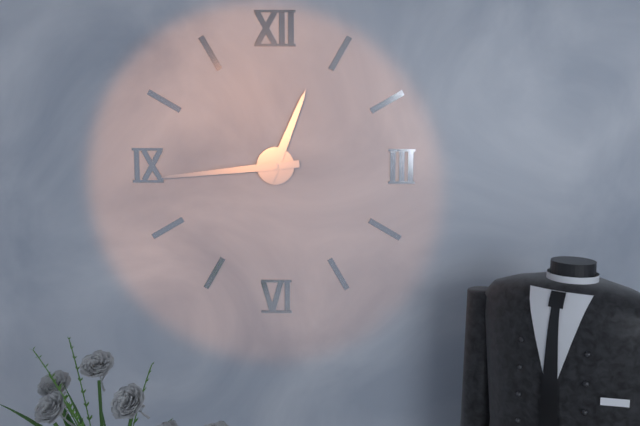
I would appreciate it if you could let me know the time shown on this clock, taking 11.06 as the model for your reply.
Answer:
12.44
